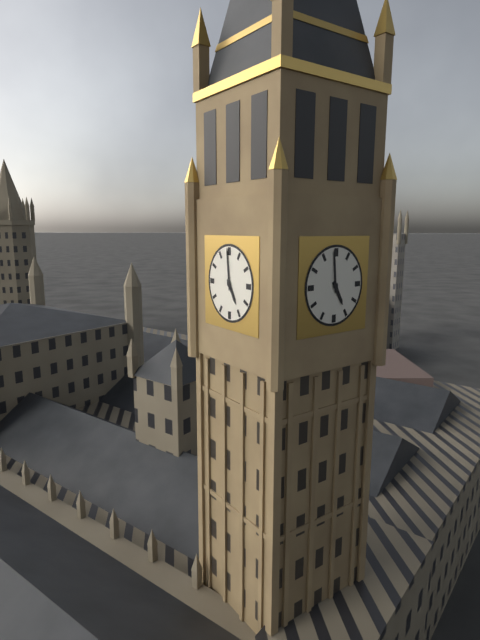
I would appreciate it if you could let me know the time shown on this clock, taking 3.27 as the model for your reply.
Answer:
4.59
